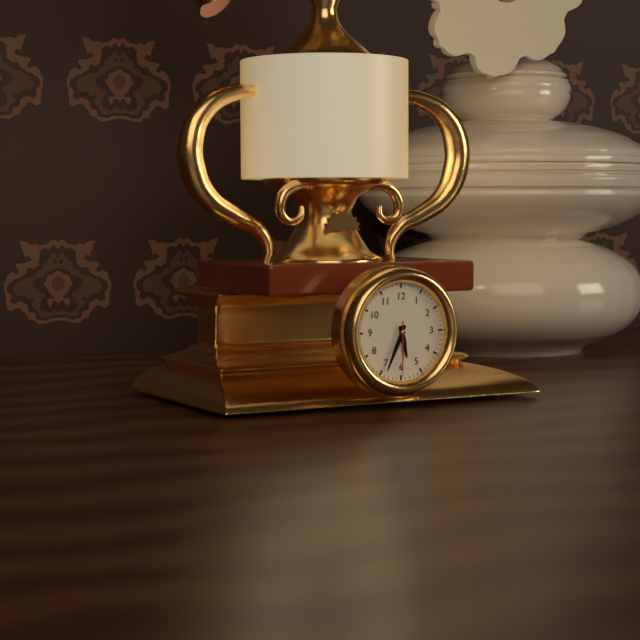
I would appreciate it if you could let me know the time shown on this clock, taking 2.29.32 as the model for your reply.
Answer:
5.34.30
